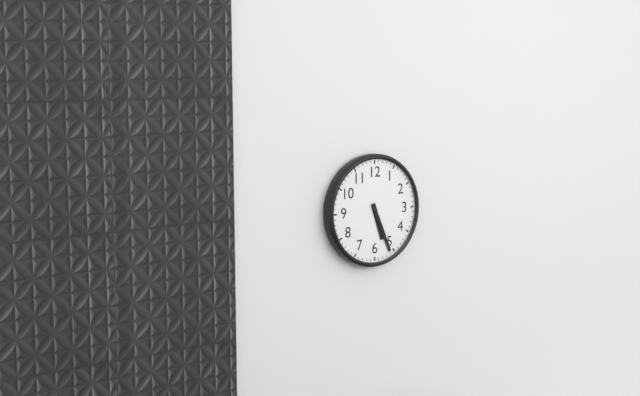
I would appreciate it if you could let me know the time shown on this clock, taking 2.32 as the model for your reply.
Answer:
5.26
